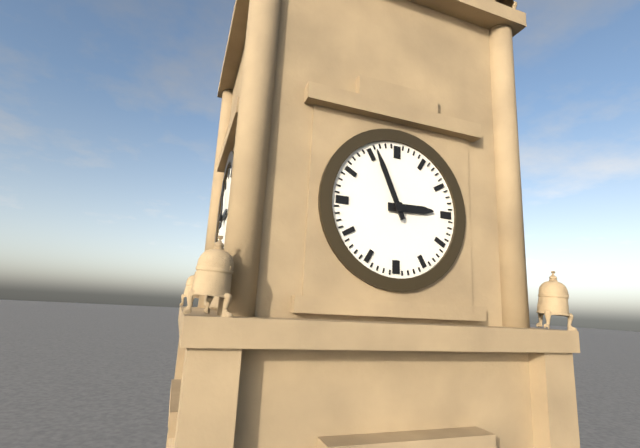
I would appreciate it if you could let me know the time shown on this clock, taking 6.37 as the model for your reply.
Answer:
2.56
